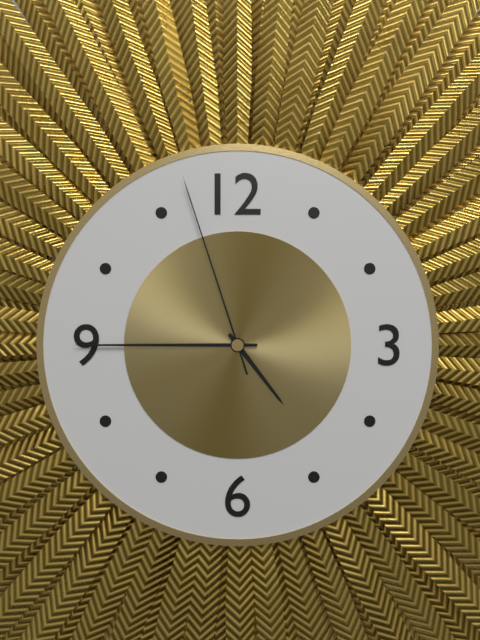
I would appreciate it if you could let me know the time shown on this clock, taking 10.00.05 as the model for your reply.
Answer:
4.45.57
